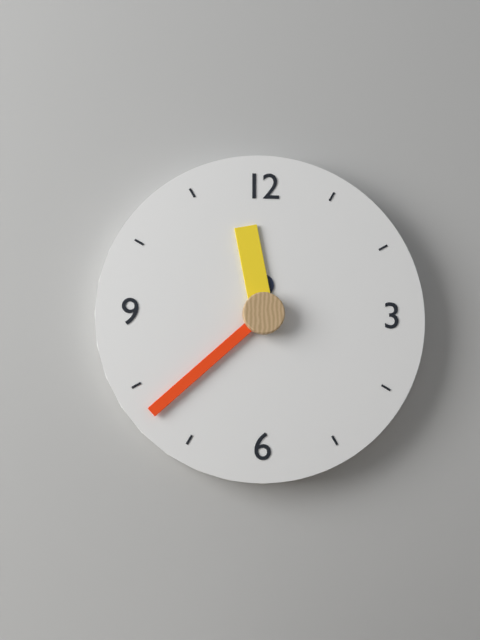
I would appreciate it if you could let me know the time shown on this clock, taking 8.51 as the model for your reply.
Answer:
11.38
